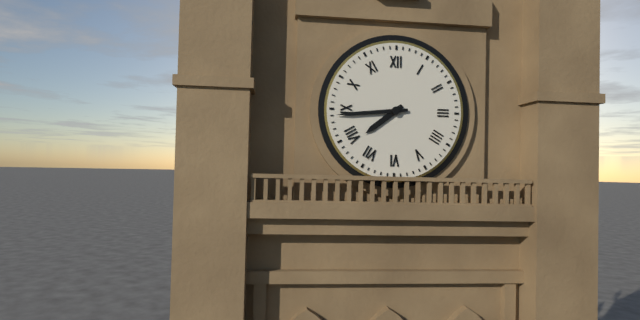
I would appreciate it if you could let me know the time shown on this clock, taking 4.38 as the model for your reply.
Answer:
7.44
